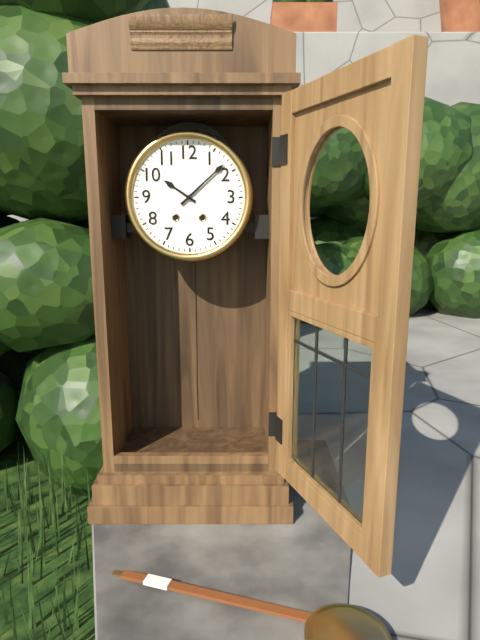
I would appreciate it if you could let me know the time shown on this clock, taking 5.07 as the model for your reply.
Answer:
10.08
